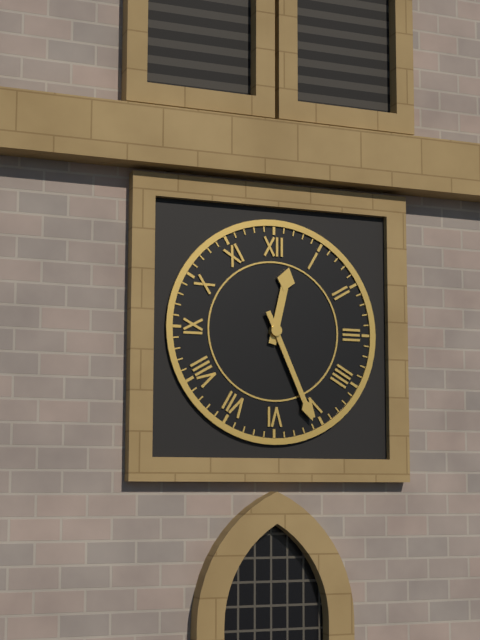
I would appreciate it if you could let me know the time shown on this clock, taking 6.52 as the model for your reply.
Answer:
12.26
